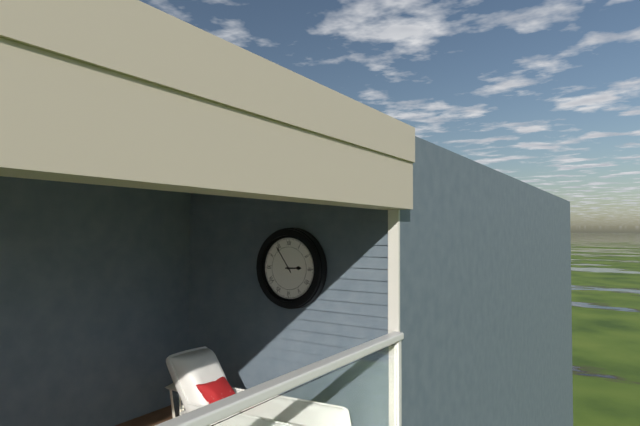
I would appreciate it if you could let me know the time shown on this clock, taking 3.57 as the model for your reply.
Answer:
2.54
